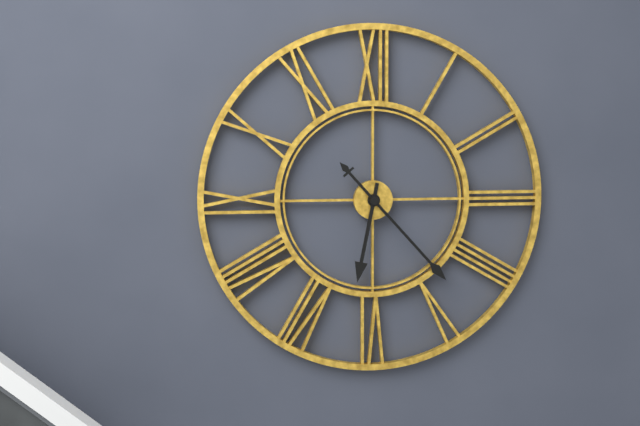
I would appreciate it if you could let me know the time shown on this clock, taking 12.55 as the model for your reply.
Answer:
6.23
